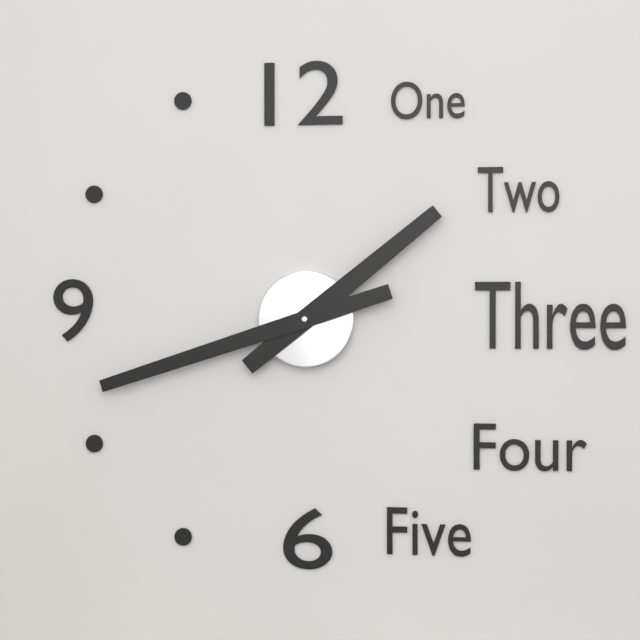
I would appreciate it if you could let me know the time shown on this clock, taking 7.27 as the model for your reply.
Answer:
1.42
